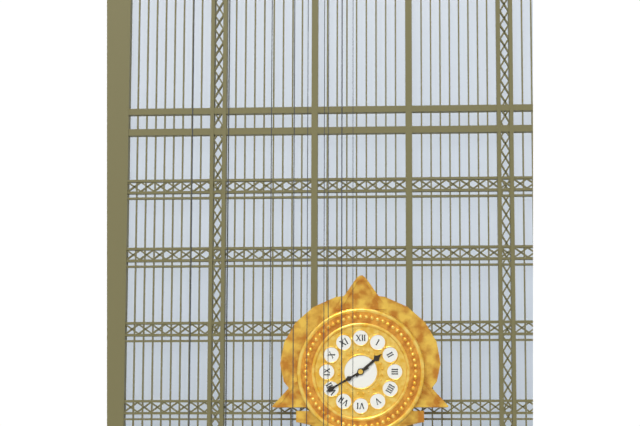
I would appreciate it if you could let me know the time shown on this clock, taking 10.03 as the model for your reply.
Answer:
1.40
